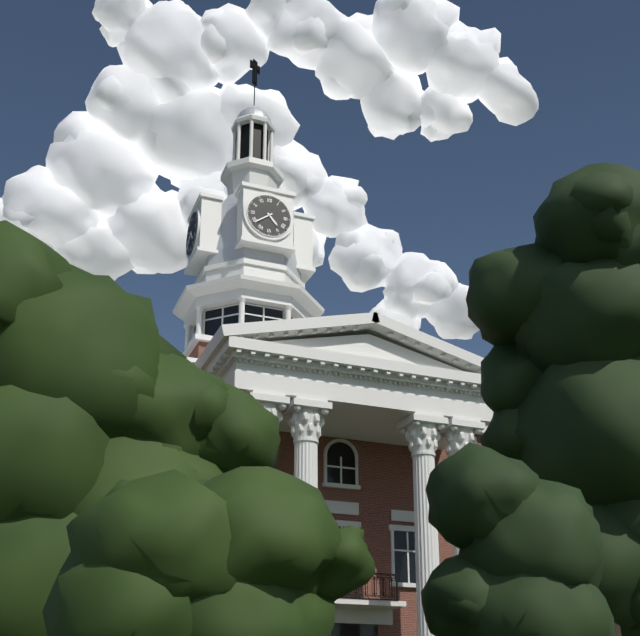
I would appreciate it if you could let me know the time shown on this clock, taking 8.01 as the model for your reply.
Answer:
4.39
